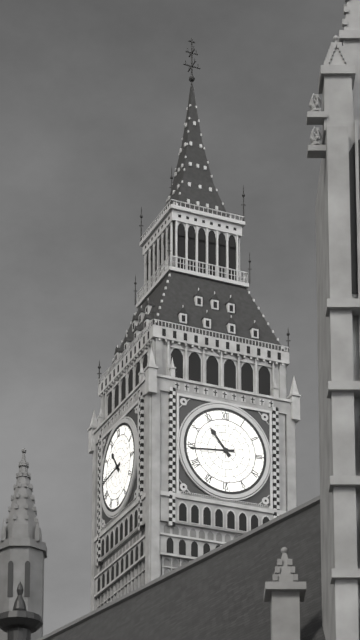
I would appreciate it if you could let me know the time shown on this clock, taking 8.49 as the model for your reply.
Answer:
10.44
